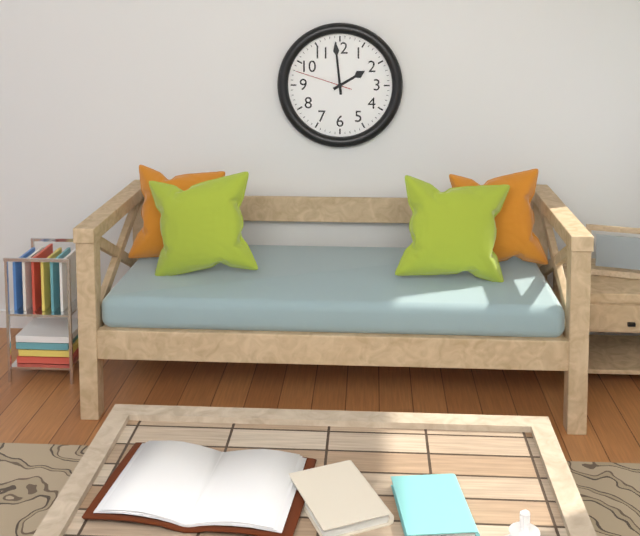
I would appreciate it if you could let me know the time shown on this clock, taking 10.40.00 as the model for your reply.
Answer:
1.59.48
